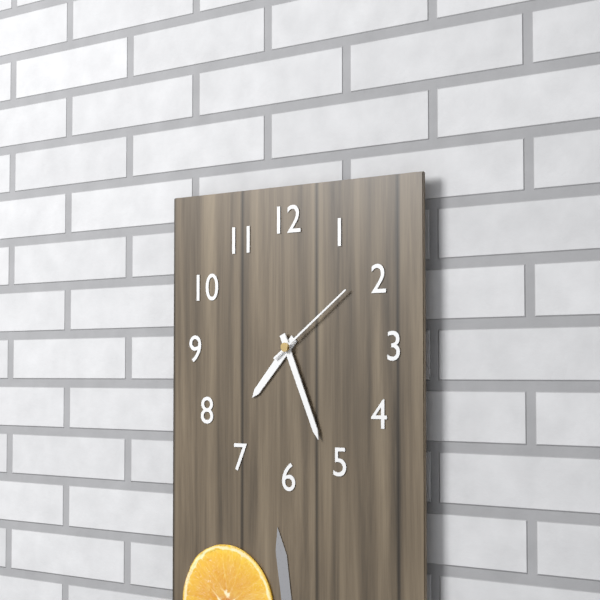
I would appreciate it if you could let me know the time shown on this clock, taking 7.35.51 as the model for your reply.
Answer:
7.26.09
